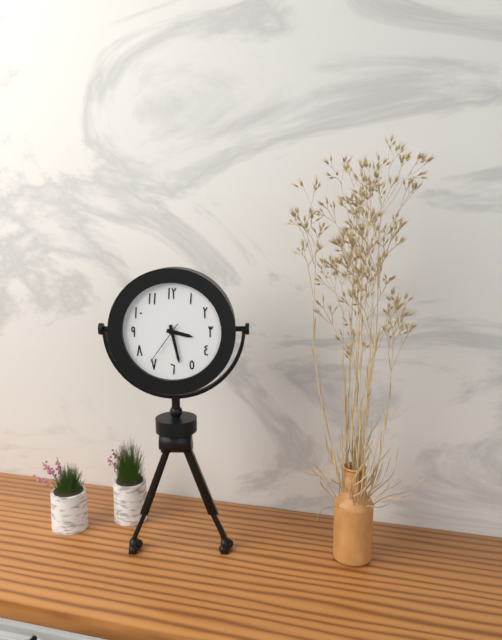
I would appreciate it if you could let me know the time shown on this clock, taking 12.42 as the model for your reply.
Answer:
3.28
